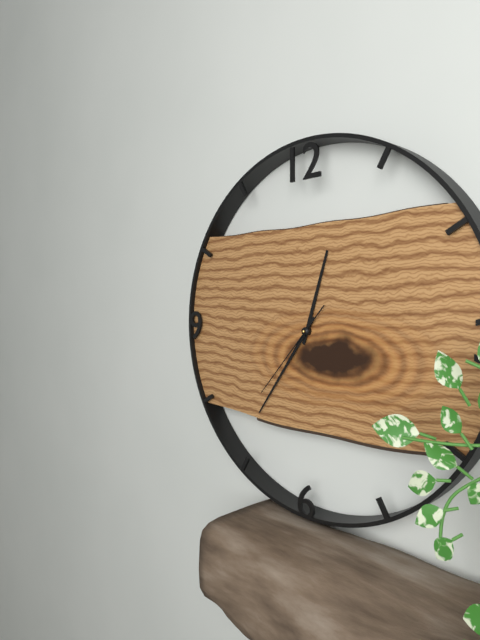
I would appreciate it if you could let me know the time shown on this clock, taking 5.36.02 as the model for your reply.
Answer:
12.36.37
